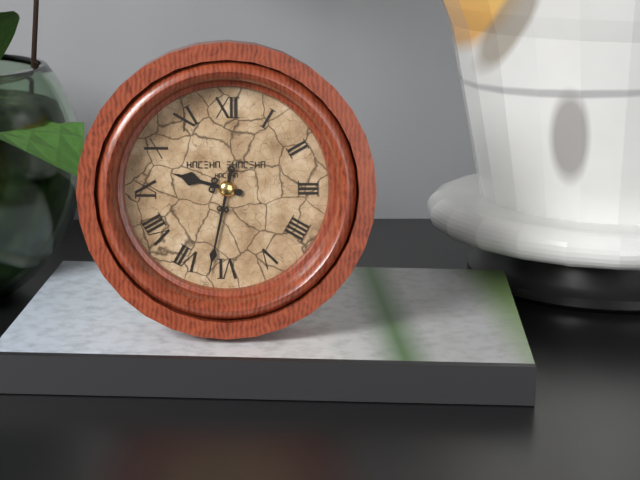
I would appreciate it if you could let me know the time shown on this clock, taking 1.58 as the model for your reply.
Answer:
9.32
